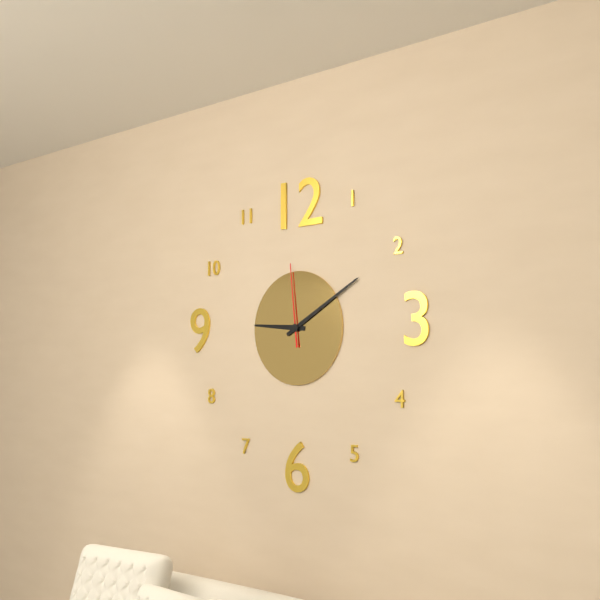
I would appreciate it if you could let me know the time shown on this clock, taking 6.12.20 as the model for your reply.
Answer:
9.10.59
